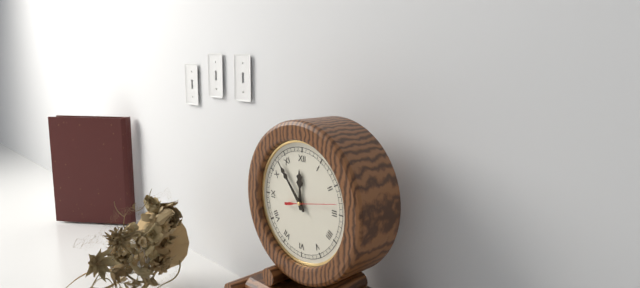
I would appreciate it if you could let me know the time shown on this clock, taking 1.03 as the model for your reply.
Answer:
11.53
